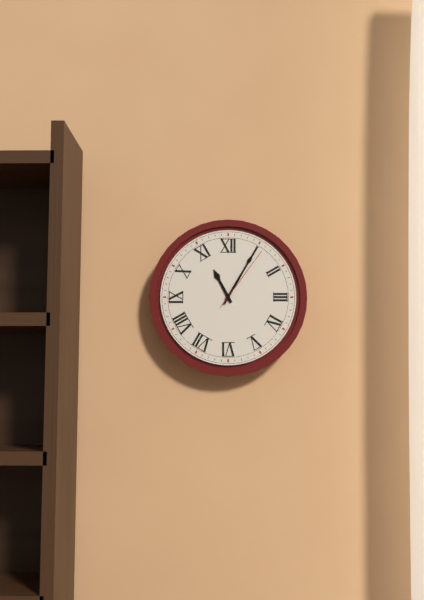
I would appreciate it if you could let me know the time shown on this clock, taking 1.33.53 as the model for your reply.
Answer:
11.05.06
